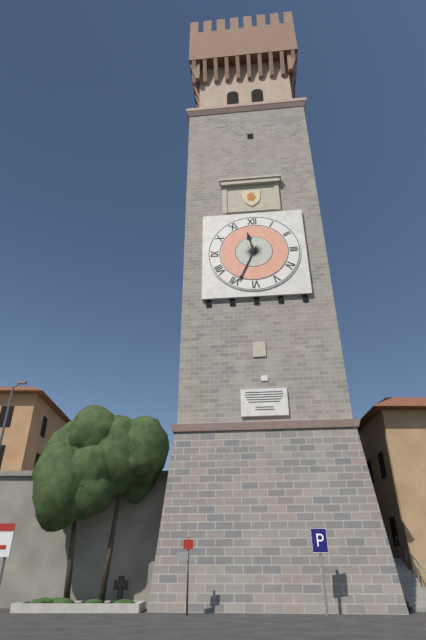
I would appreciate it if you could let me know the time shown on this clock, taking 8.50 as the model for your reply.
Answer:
11.34
